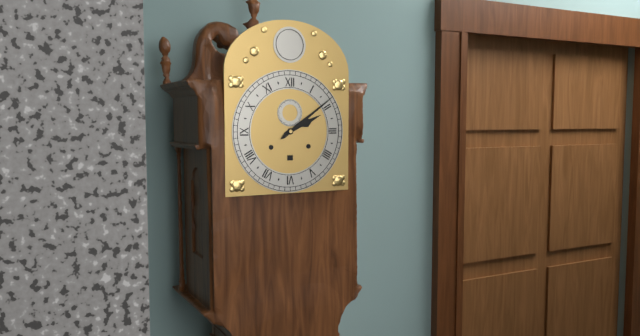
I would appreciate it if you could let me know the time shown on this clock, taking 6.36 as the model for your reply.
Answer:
2.09
